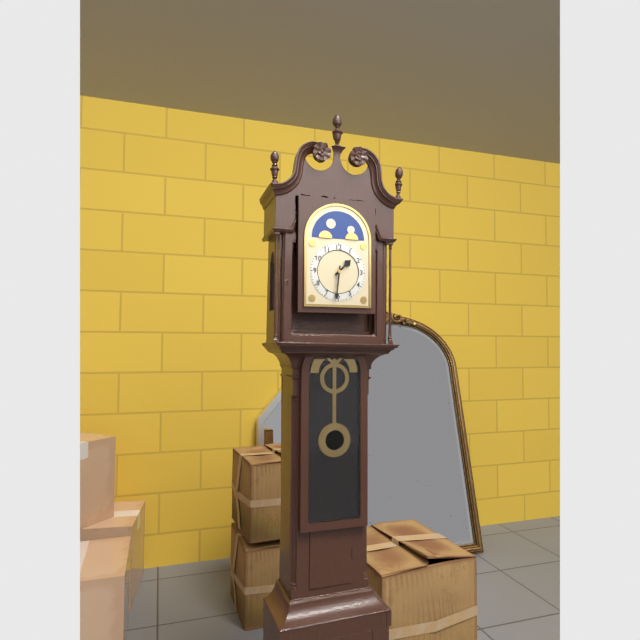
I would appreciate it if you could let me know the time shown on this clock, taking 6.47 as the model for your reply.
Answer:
1.31
